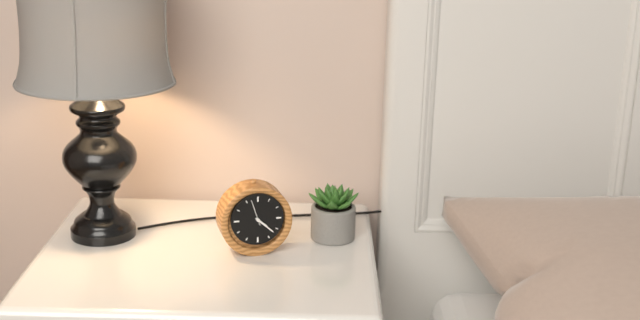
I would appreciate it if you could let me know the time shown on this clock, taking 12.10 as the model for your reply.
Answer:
4.22
